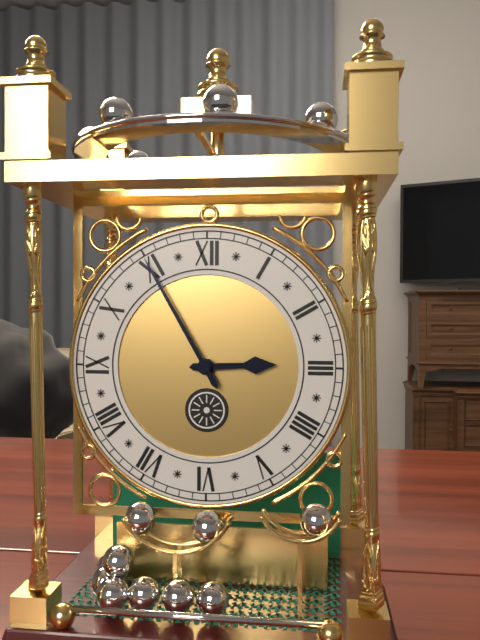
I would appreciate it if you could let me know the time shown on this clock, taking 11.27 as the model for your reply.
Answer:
2.55
